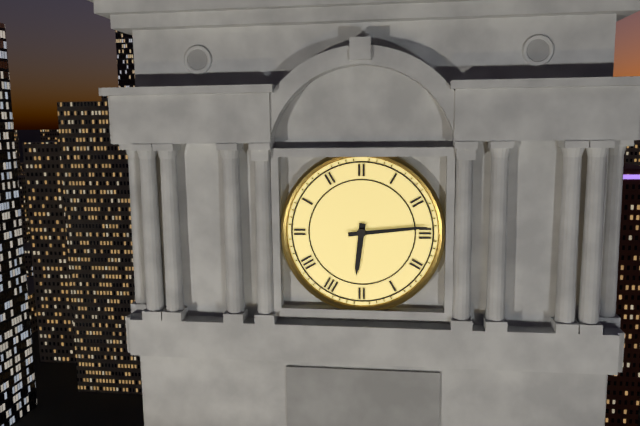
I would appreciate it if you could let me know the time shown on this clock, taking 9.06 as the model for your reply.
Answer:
6.14
